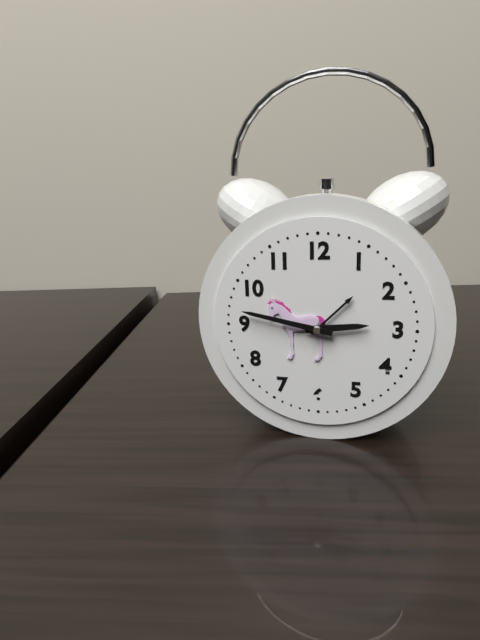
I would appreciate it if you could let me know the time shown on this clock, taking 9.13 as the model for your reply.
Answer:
2.47
